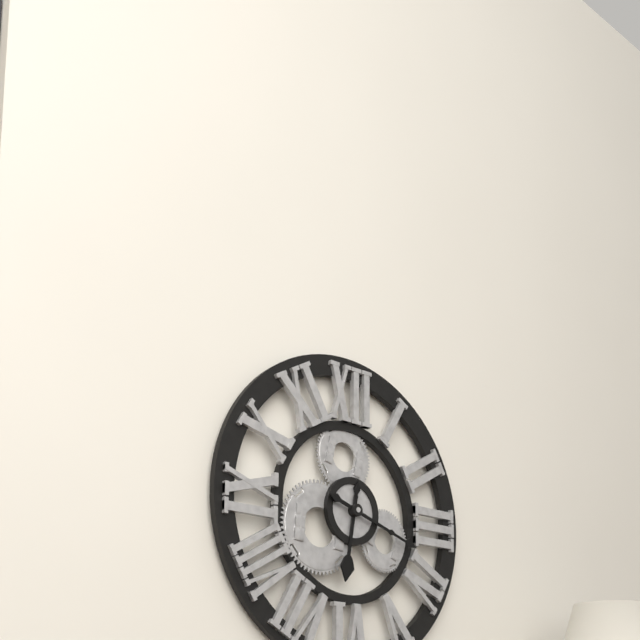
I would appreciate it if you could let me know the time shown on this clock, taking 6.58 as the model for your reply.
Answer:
6.18
